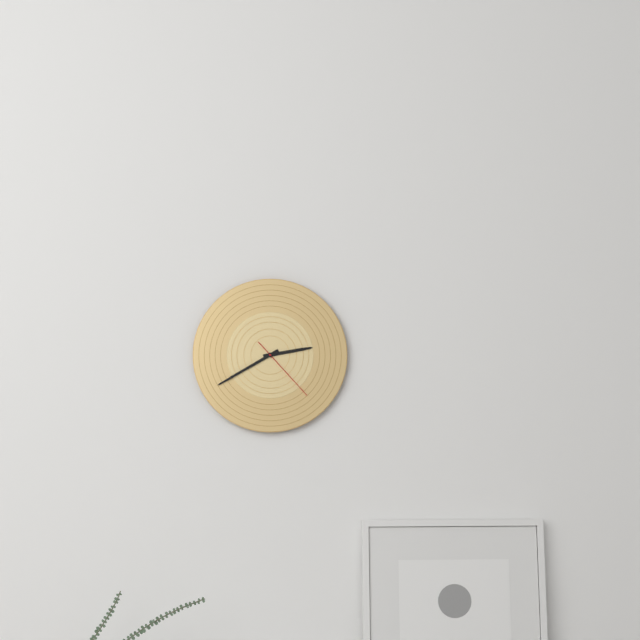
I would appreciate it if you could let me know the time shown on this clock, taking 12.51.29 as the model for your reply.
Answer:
2.40.23
